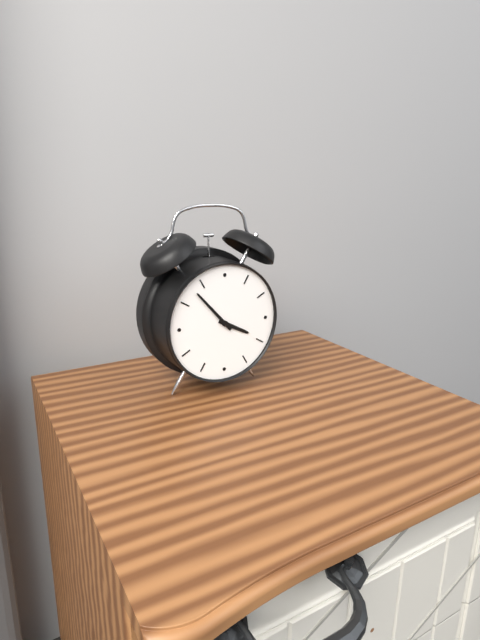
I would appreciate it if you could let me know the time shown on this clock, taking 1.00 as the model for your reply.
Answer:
3.53
